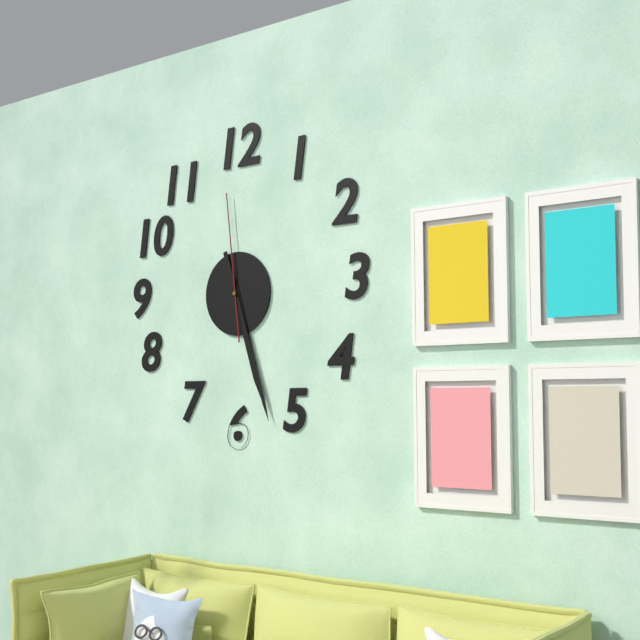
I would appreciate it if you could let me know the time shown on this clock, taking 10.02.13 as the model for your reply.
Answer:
5.27.59
